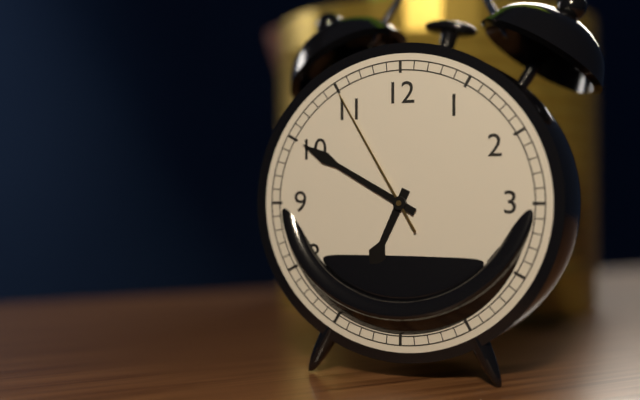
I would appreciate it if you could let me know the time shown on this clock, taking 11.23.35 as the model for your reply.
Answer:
6.50.55
